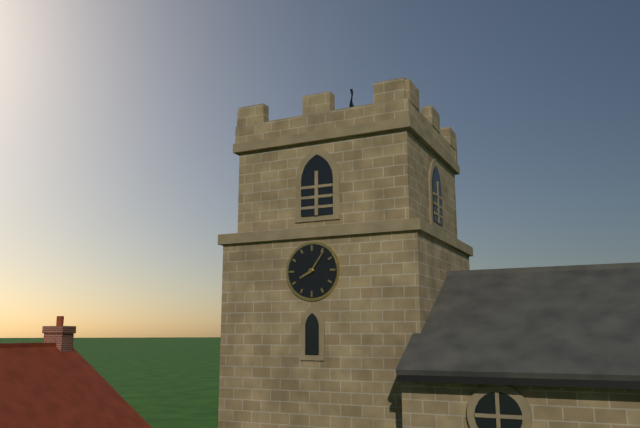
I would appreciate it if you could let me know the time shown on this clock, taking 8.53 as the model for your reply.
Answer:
8.06
